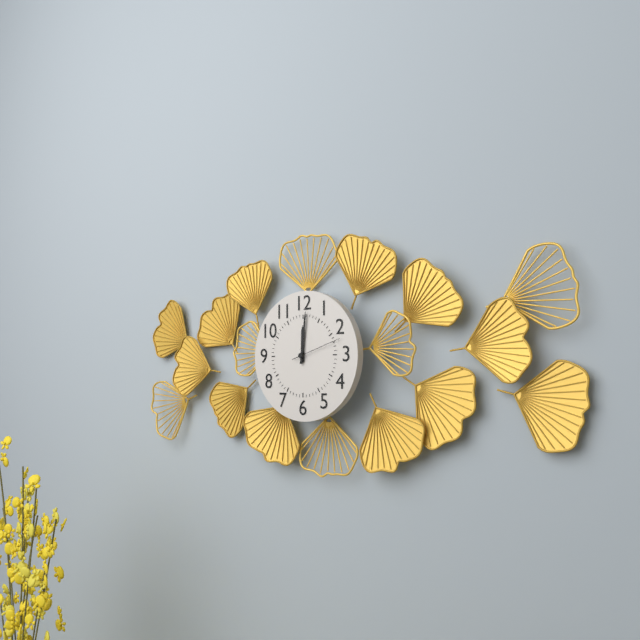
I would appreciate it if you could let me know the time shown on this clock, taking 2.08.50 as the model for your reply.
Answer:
12.01.12
